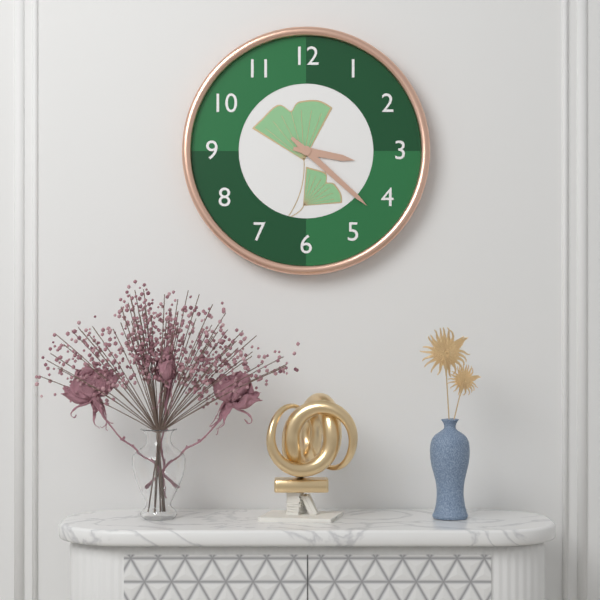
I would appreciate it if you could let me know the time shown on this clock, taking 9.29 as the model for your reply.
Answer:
3.22
